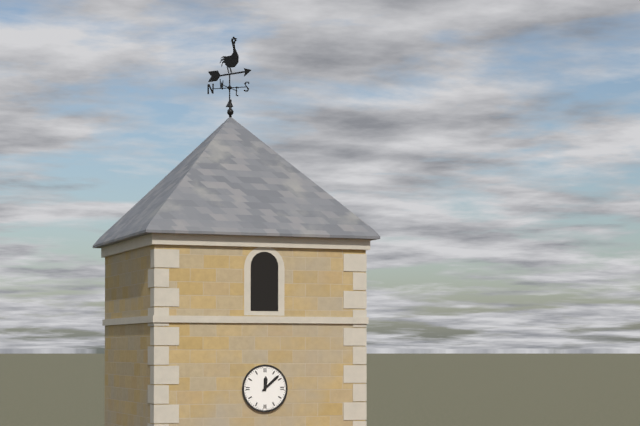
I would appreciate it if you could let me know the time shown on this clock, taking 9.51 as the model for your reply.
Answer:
12.08
